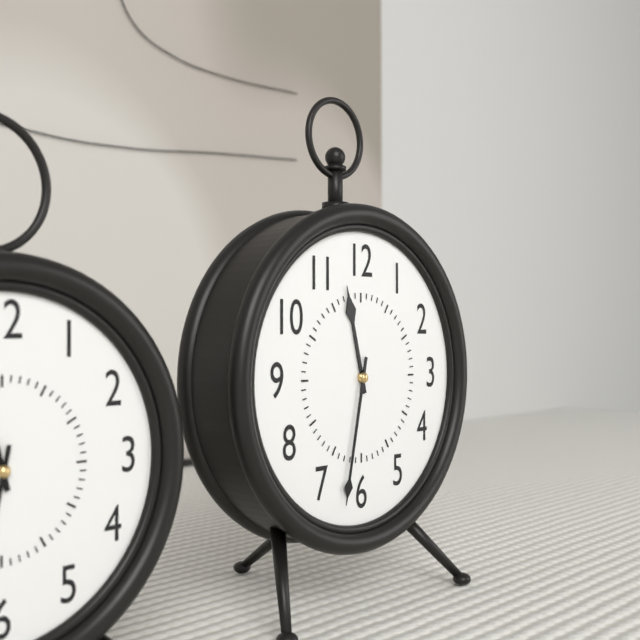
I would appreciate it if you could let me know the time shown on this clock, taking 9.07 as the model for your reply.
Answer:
11.32
